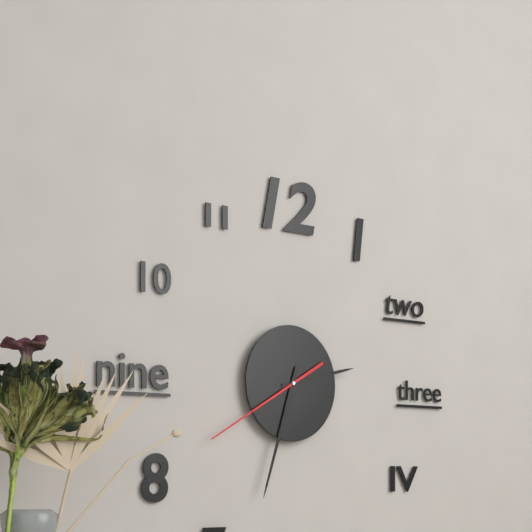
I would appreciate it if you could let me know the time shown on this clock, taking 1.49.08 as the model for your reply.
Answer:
2.33.40
